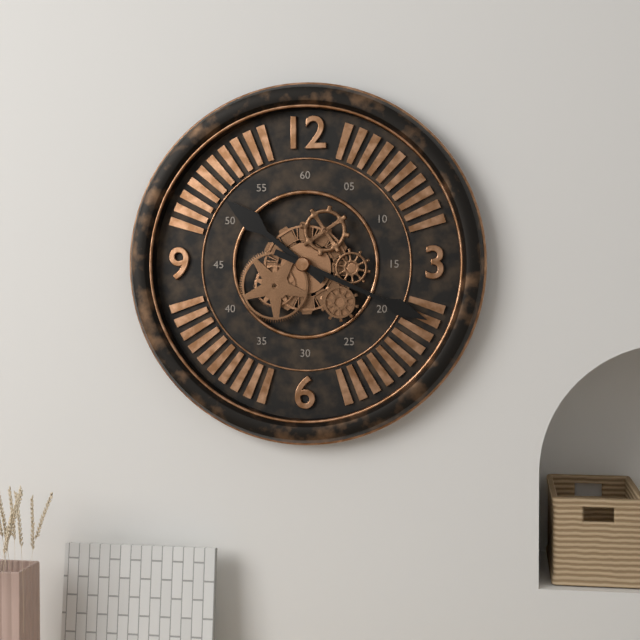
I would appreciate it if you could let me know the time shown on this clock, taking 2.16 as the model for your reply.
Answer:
10.19
